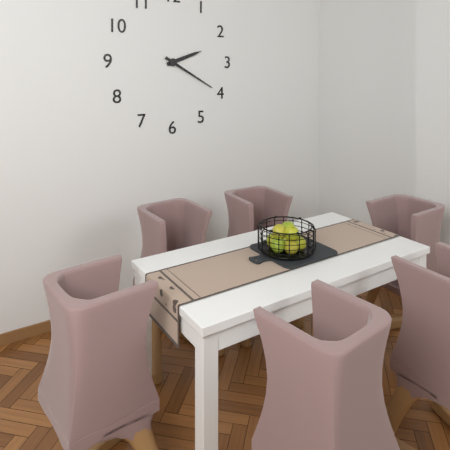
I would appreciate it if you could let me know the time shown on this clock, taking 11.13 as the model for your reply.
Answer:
2.20
